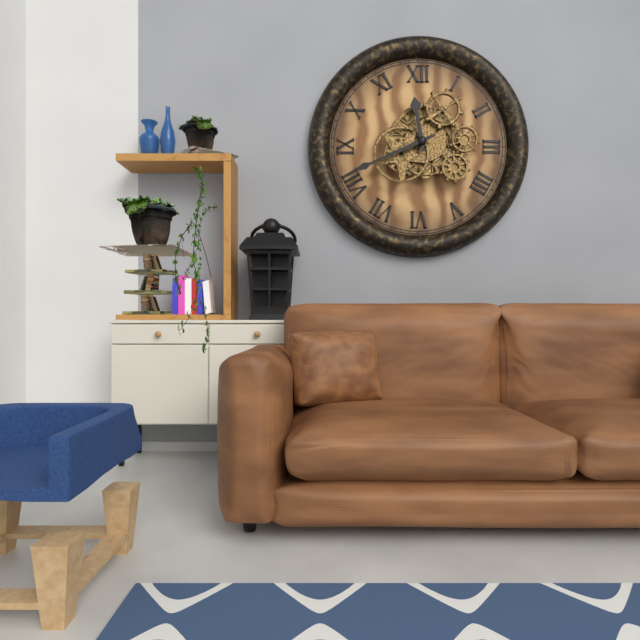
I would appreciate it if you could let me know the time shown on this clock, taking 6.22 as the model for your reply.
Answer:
11.41
